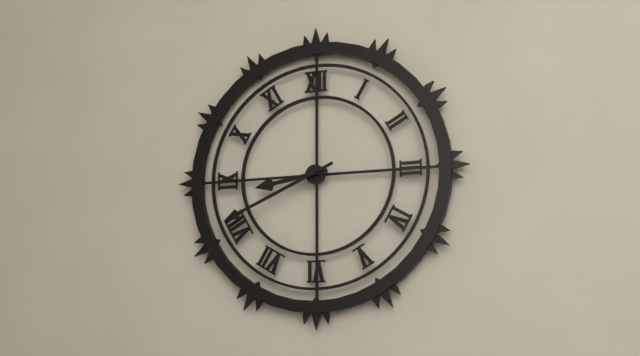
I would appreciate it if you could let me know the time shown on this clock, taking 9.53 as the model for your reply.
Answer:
8.41
